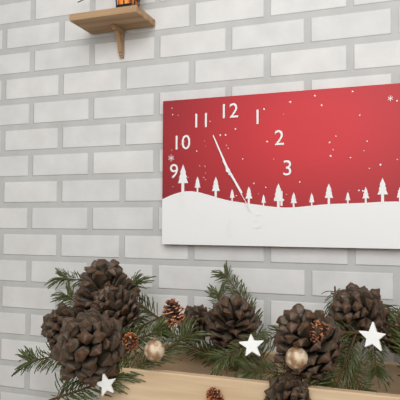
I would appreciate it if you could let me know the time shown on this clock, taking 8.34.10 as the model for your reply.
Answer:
4.56.25
